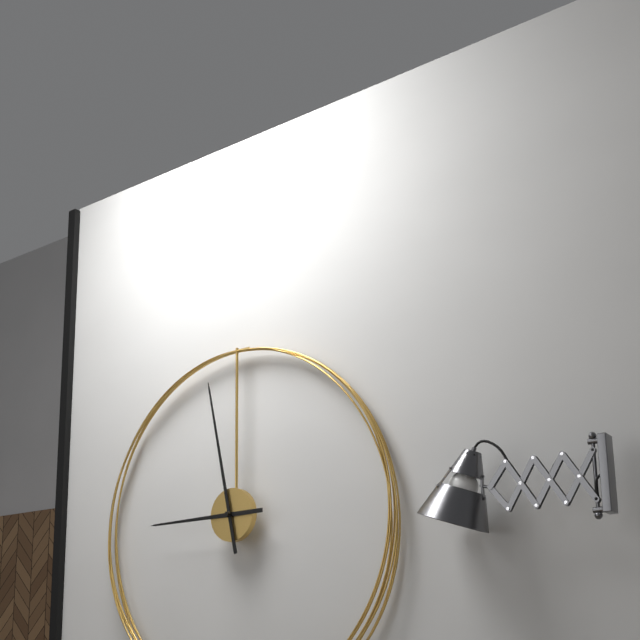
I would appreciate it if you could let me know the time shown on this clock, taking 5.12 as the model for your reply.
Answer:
8.58
